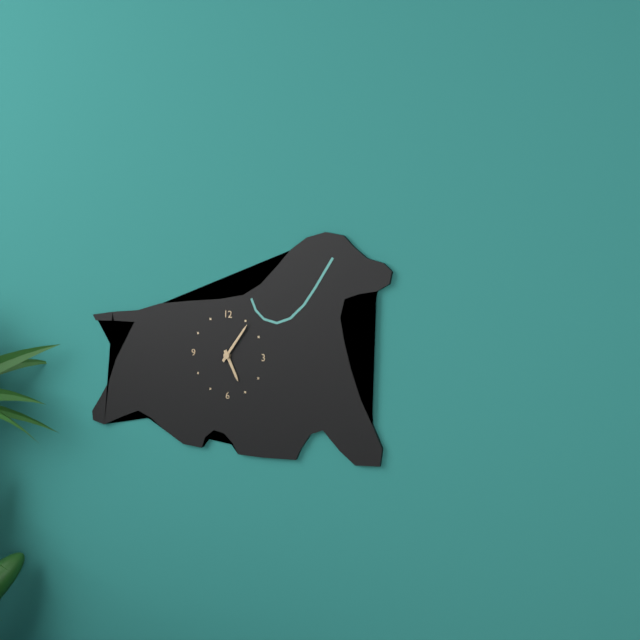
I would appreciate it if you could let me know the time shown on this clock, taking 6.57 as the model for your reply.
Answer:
5.06
